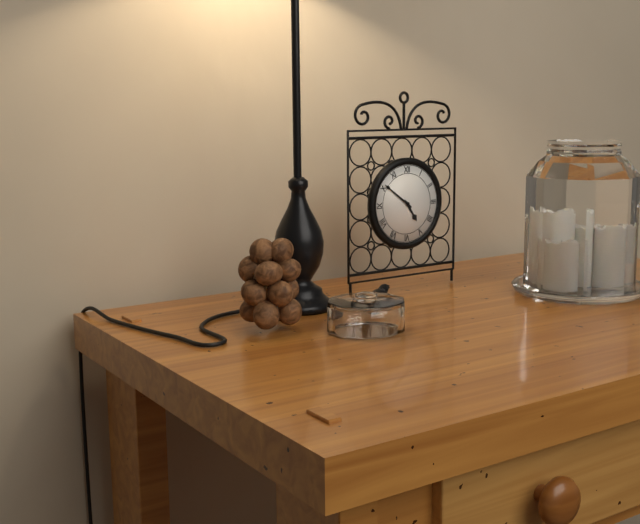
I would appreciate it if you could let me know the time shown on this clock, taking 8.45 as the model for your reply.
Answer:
4.51
